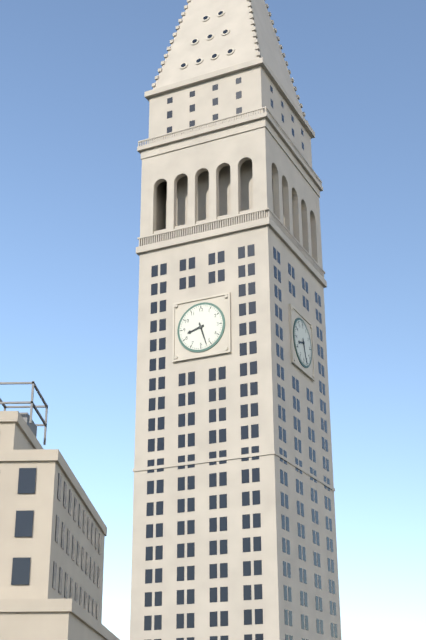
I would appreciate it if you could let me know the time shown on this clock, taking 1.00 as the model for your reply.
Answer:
8.27
